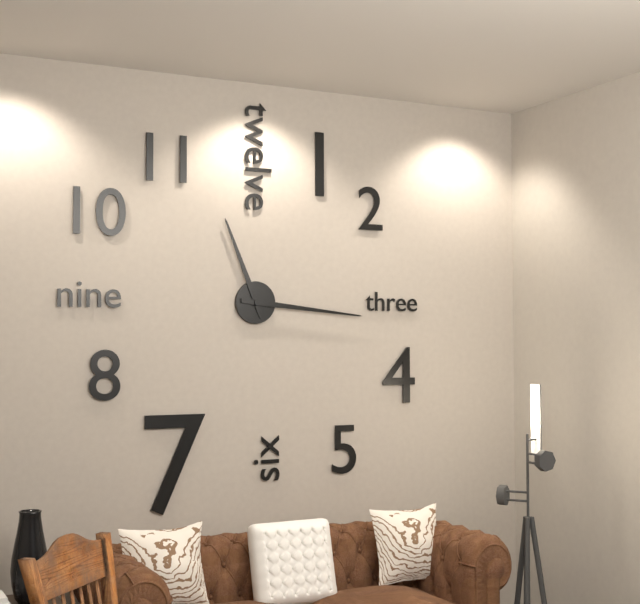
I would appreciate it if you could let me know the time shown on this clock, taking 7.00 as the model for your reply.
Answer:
11.16
